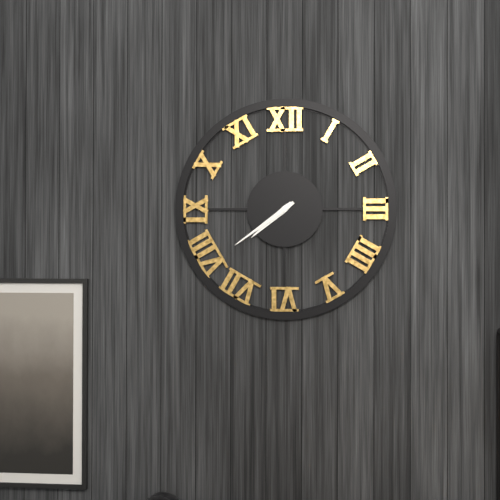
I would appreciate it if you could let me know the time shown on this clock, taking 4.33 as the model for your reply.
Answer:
7.39
